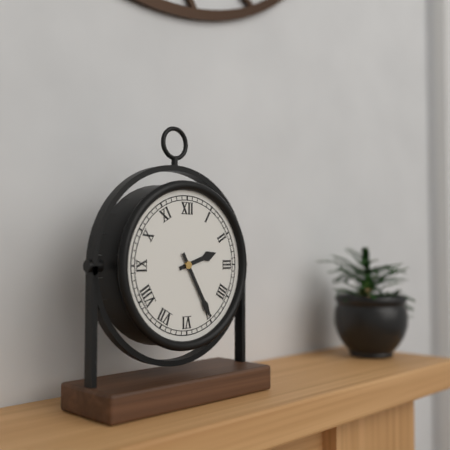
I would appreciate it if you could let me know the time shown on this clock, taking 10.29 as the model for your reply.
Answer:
2.25
